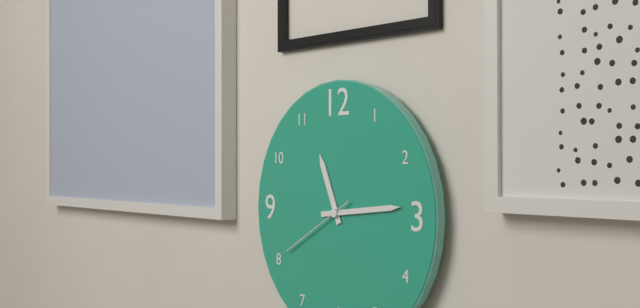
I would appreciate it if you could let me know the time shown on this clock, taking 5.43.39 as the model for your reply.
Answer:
11.14.40
